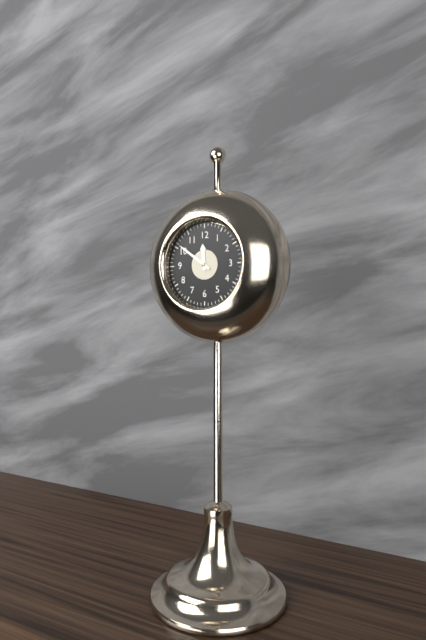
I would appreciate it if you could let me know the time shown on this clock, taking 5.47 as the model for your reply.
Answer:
11.51
